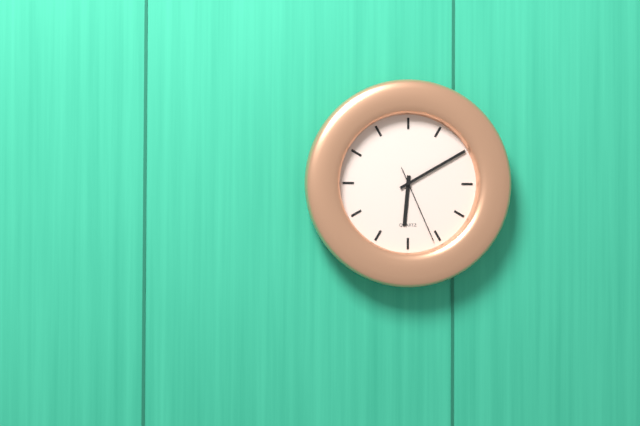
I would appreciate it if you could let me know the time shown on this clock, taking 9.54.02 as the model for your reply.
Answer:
6.10.26
